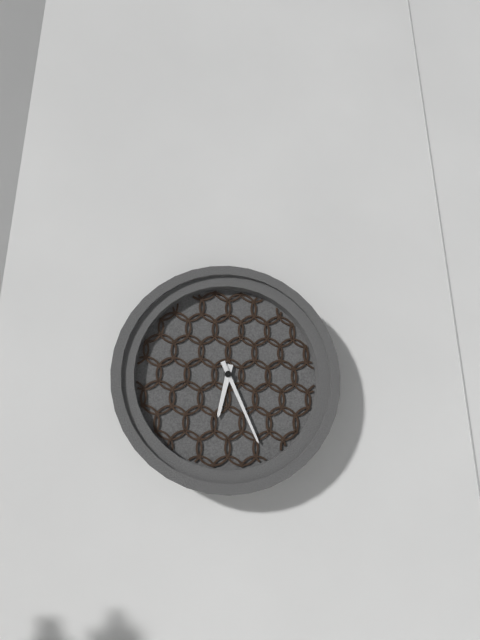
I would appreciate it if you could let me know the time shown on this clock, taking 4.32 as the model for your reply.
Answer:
6.26
